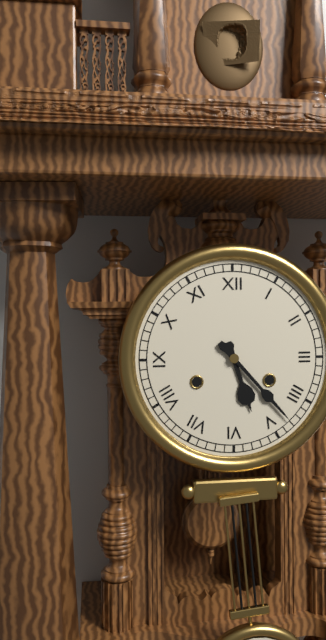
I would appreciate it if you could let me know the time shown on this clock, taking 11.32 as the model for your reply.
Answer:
5.23
